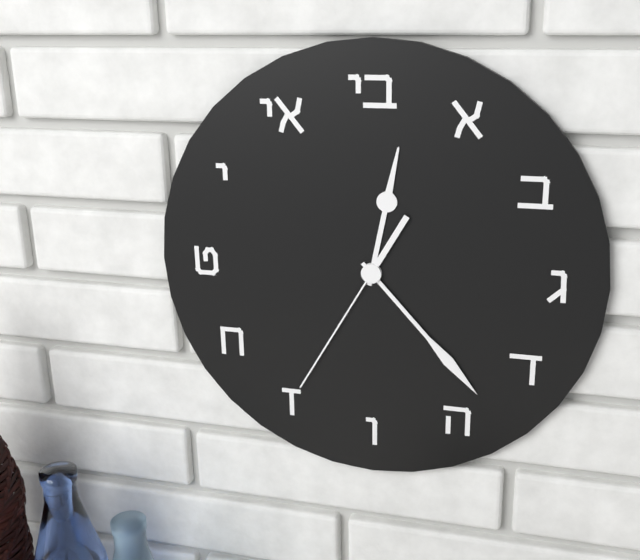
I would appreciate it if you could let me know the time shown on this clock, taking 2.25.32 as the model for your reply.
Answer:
12.23.35
